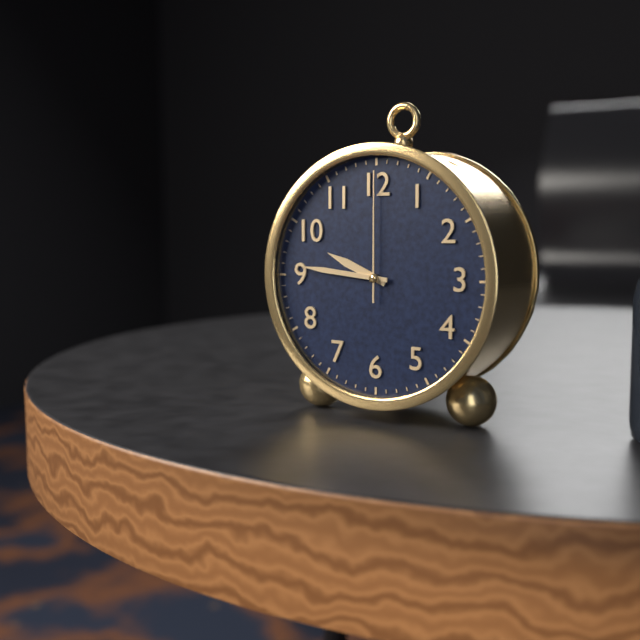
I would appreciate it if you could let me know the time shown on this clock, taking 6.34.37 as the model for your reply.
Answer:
9.46.00
